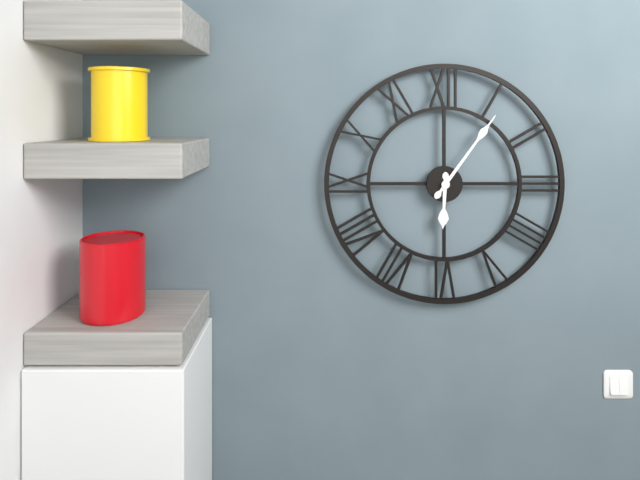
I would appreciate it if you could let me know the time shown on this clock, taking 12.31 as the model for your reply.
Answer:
6.06
